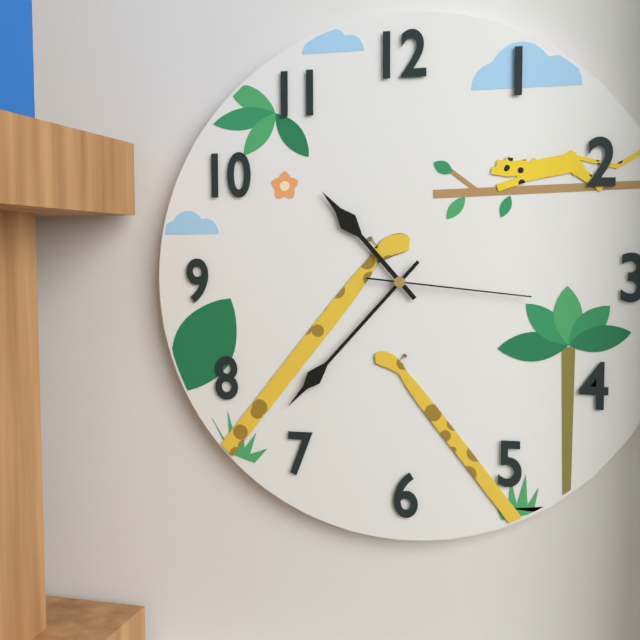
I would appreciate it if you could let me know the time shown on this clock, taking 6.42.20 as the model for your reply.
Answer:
10.37.16
